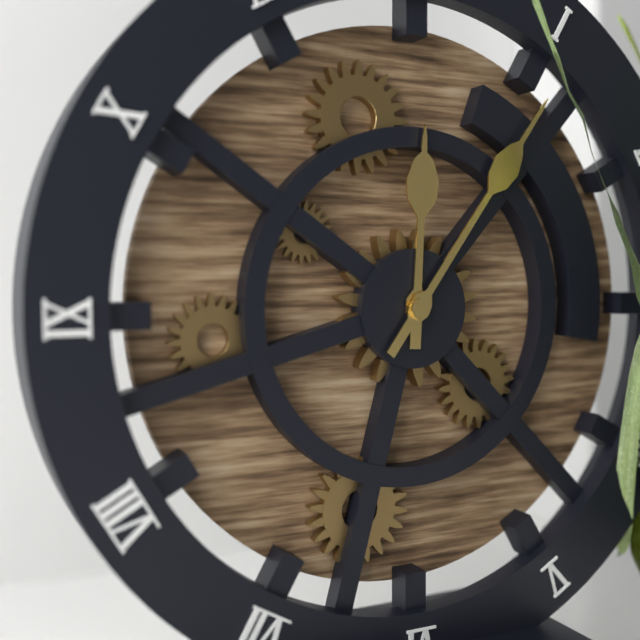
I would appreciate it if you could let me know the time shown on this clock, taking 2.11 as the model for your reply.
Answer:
12.06
